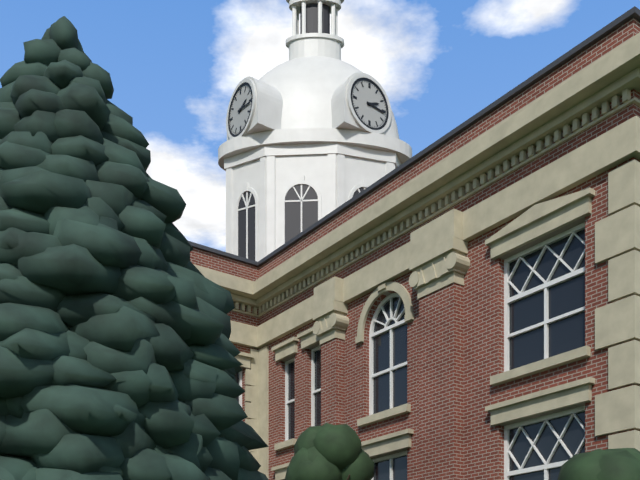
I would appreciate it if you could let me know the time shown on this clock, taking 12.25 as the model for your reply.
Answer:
2.16
